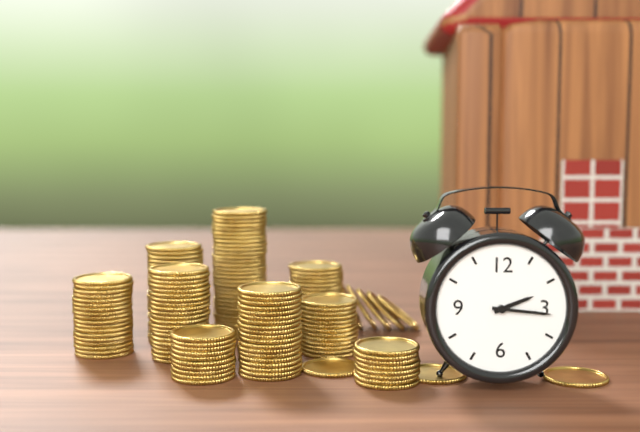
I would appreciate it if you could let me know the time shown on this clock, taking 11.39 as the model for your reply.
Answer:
2.16
